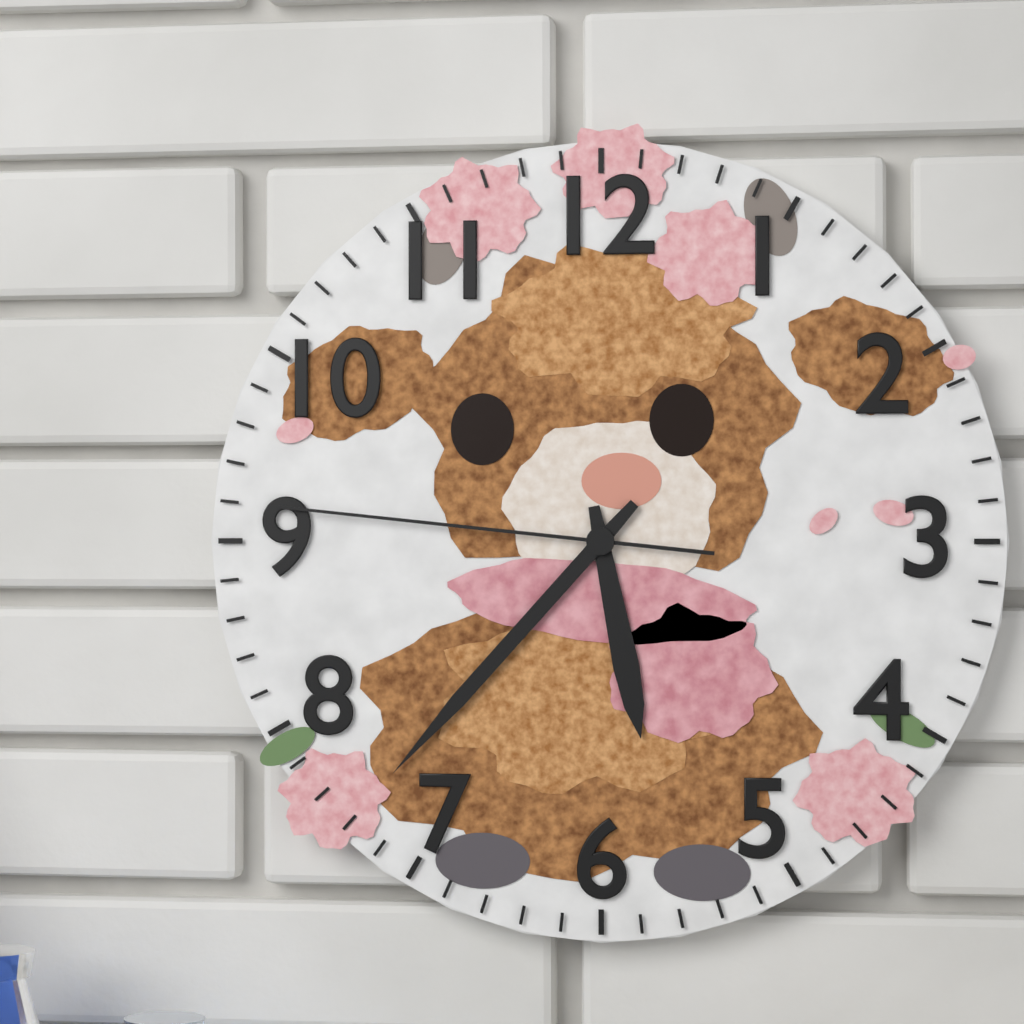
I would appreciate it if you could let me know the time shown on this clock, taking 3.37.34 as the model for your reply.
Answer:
5.37.46
